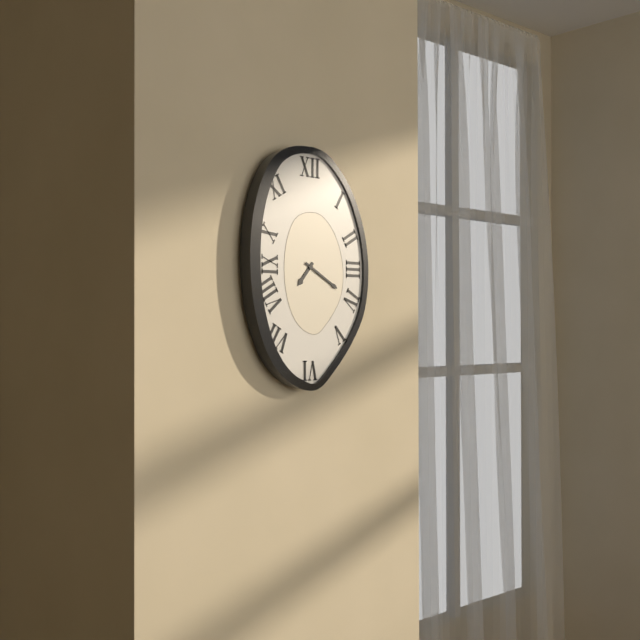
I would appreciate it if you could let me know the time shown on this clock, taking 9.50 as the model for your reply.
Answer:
7.20
